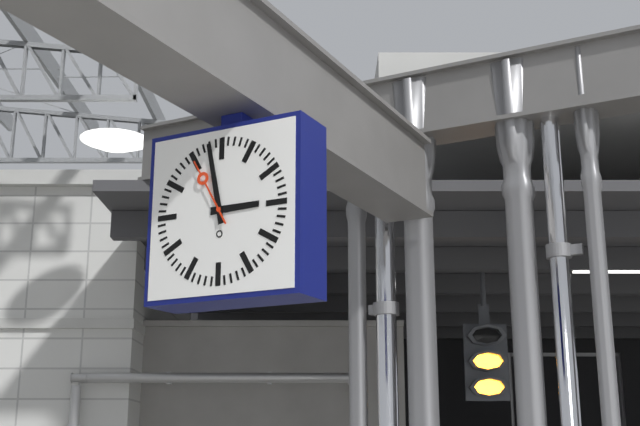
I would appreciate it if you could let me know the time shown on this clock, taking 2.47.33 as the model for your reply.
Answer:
2.58.55
